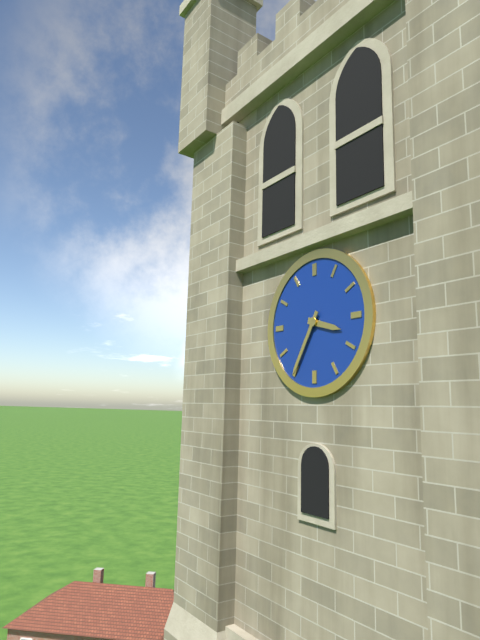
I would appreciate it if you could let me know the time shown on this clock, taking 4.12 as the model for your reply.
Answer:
3.35
